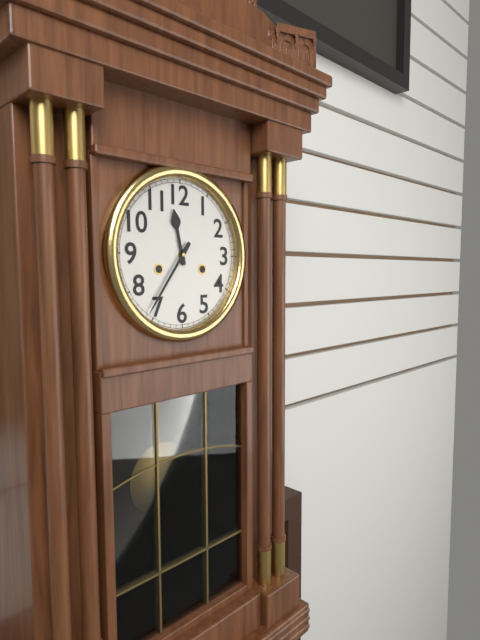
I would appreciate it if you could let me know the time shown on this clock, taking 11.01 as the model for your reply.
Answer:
11.36
